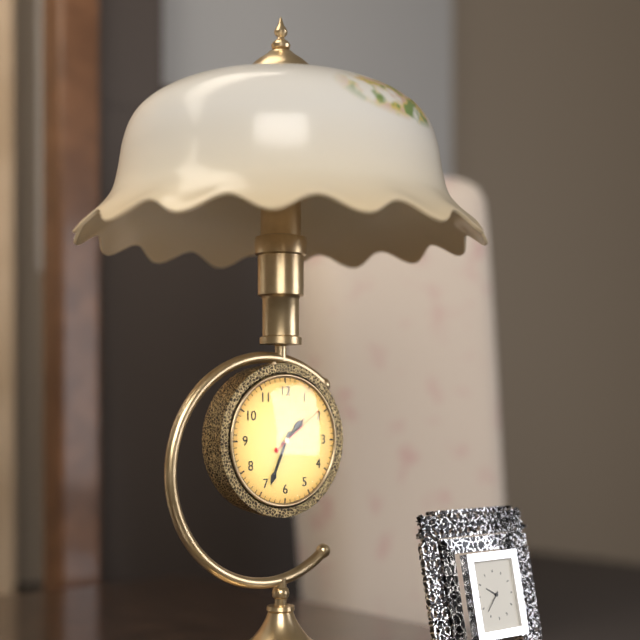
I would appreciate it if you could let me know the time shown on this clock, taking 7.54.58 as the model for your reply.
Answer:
1.34.09
